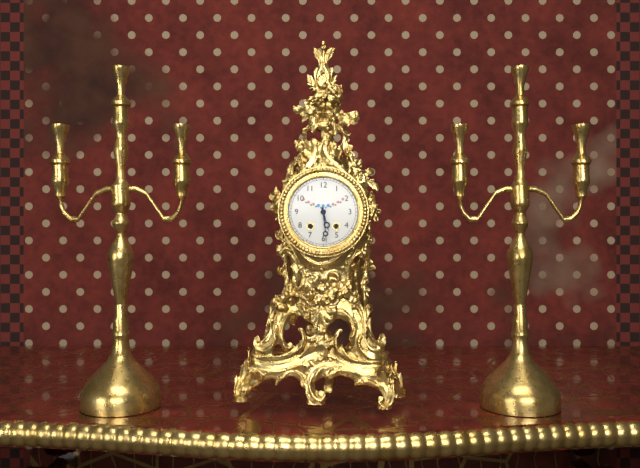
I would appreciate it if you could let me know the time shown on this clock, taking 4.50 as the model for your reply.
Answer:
5.29
